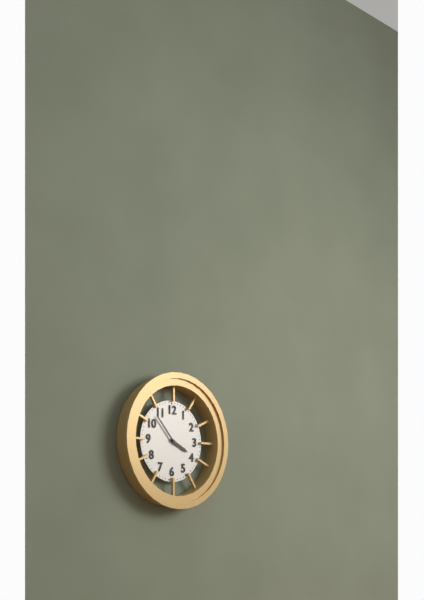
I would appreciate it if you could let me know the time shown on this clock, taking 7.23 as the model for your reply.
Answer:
3.53
